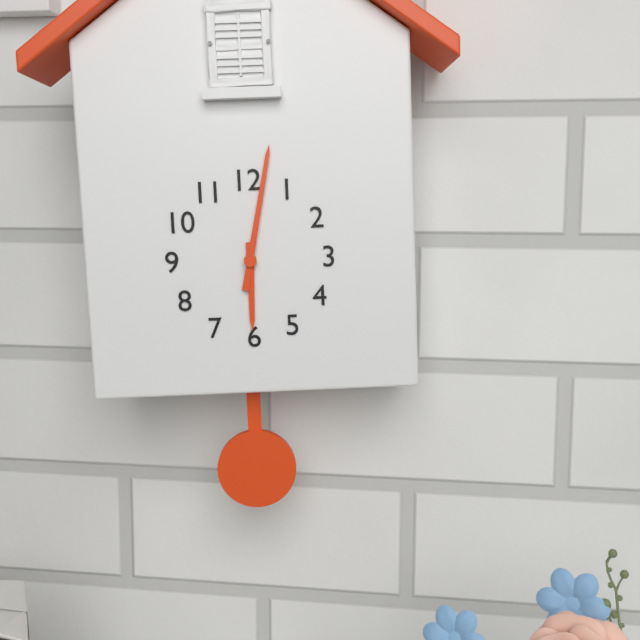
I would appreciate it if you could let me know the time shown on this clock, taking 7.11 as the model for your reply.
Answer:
6.02
